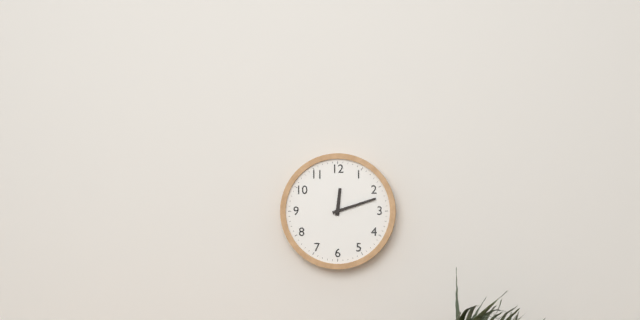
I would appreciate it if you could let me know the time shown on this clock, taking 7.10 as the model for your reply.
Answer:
12.12
